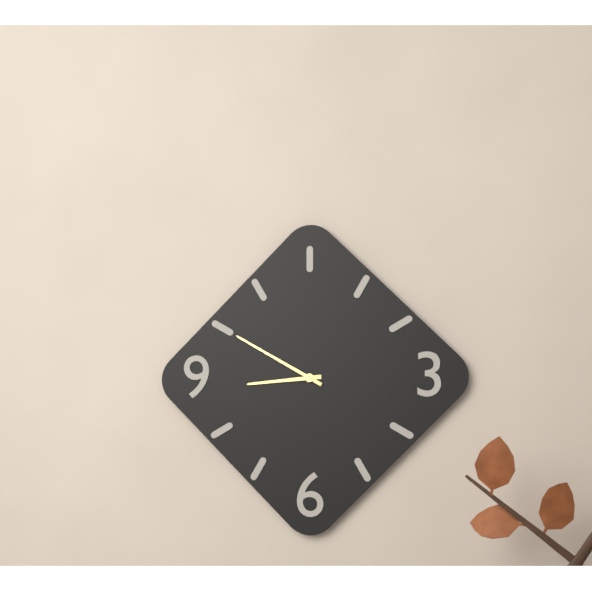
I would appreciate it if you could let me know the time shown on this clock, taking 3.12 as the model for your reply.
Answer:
8.50
